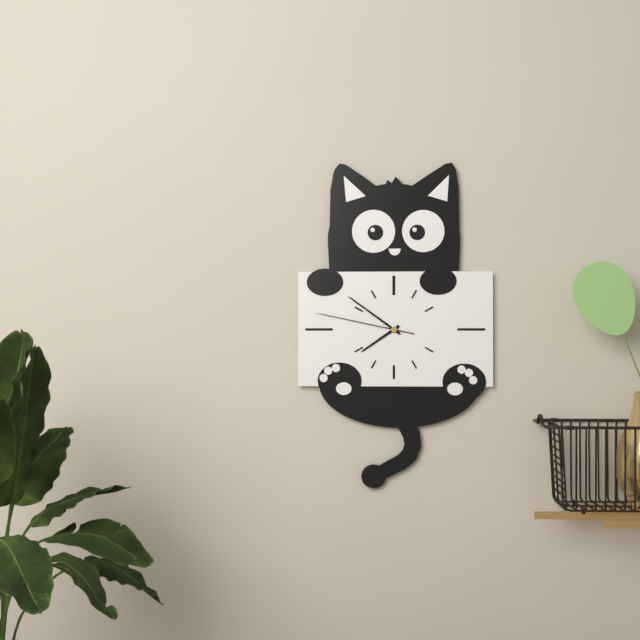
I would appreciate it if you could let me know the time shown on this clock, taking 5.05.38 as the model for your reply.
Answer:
7.51.47
